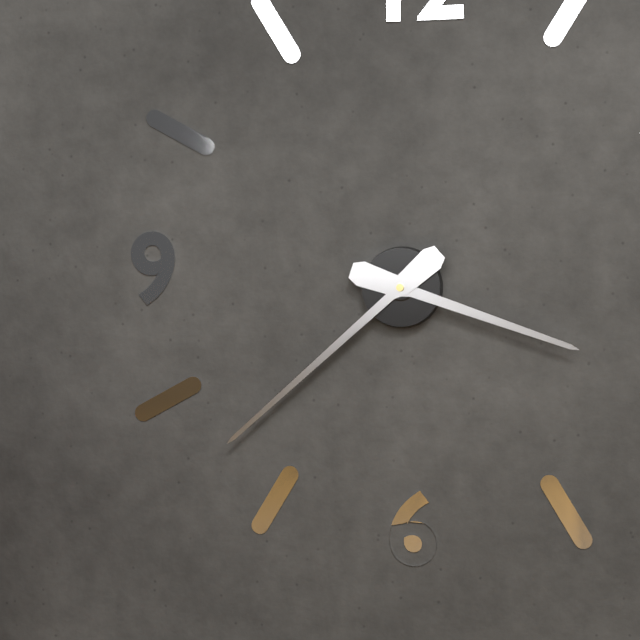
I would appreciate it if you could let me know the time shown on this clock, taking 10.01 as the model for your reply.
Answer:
3.38
